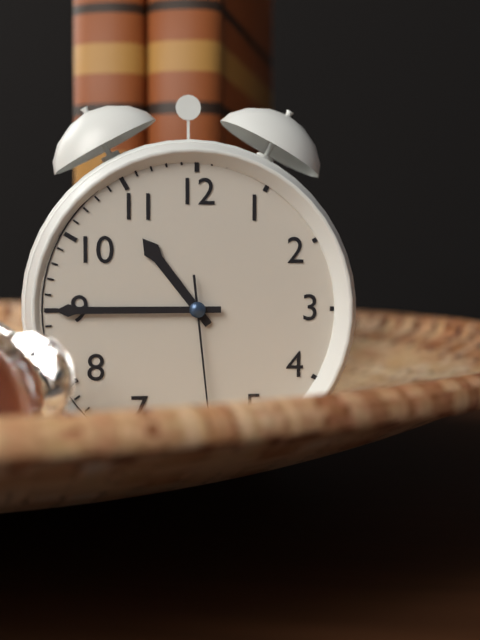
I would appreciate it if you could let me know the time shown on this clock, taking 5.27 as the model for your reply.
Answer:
10.45
